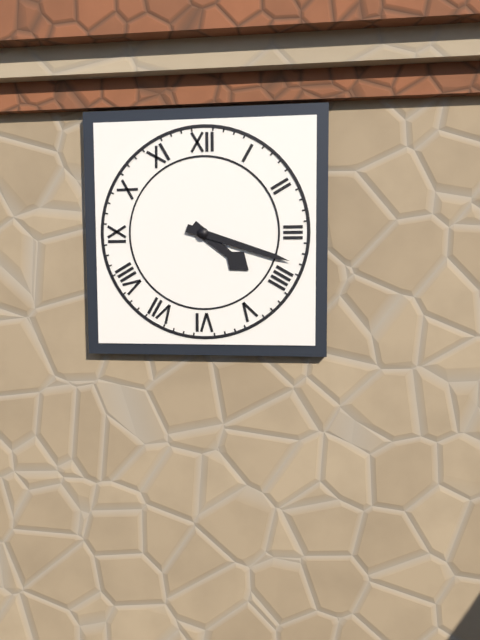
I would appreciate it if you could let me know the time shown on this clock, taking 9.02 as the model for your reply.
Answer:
4.18
